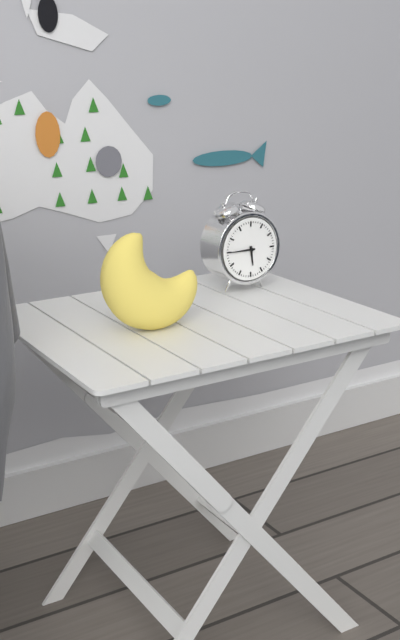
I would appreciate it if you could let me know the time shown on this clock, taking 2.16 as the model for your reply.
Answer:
5.45
